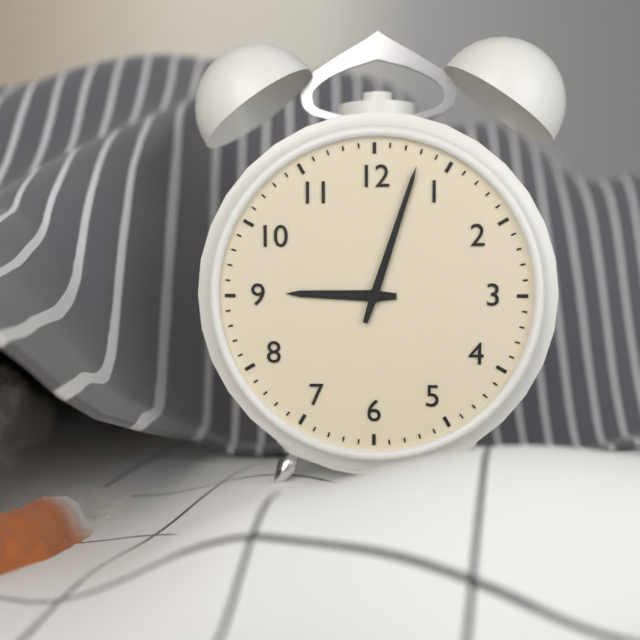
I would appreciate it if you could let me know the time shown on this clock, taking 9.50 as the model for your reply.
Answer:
9.03
